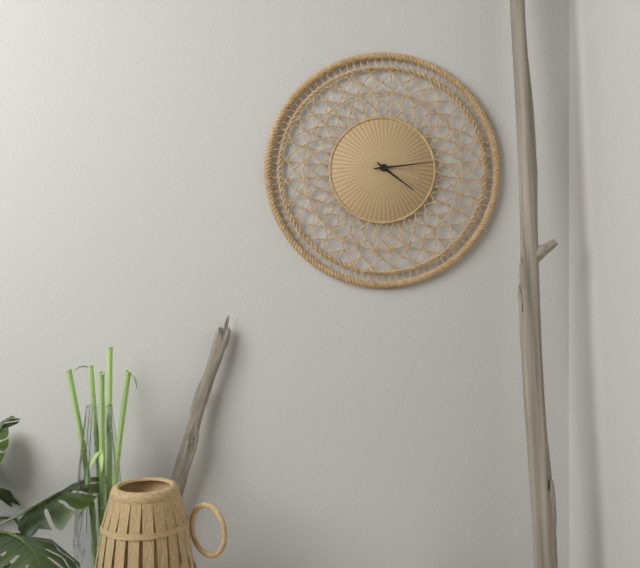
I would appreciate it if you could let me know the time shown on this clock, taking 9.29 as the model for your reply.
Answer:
4.14
